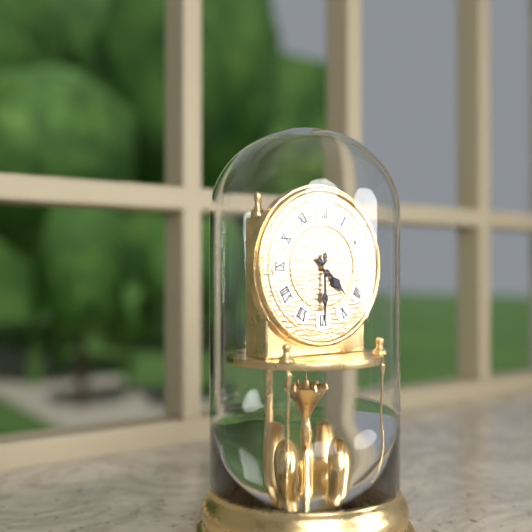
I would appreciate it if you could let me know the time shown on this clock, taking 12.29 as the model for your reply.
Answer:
4.30
